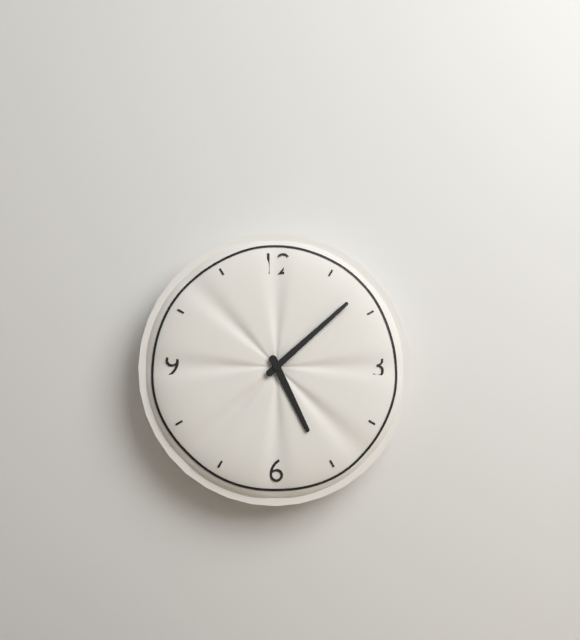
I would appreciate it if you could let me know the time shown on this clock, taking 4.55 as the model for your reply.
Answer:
5.08
